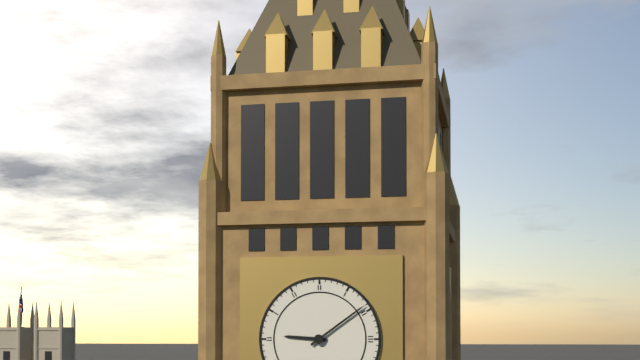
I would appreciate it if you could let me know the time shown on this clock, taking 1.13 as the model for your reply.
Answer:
9.09
